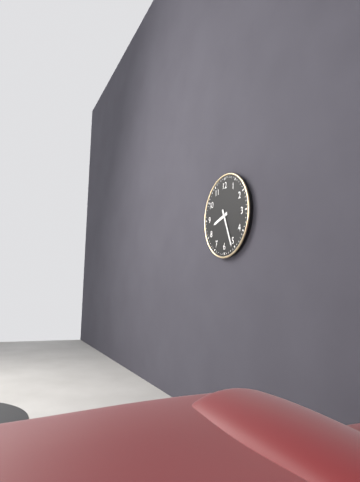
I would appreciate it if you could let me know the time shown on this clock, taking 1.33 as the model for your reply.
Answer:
8.26
